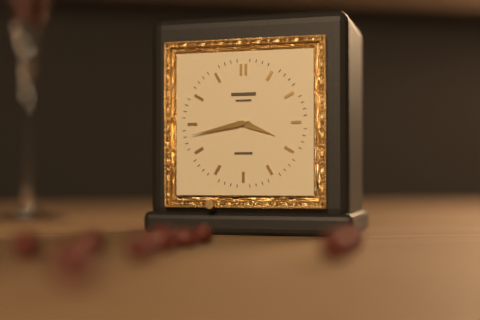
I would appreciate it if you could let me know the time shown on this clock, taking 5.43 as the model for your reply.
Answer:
3.43
